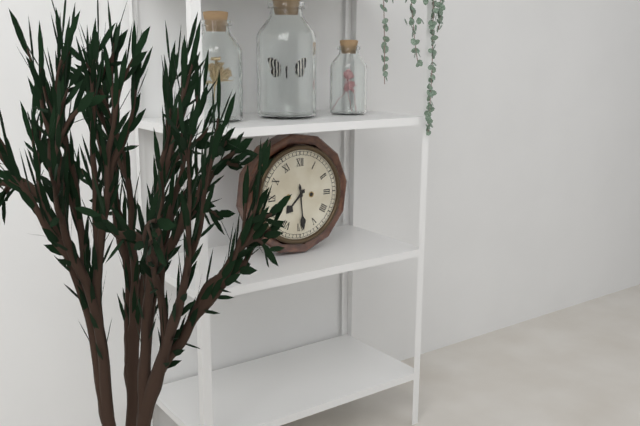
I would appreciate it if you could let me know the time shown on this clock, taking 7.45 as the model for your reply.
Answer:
7.29
